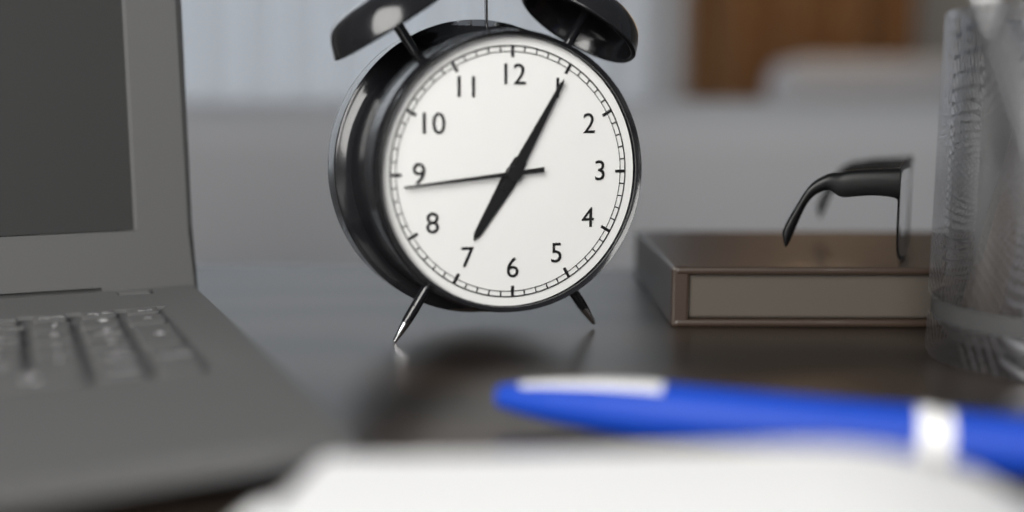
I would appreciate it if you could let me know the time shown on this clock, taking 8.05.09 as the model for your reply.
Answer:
7.05.44
